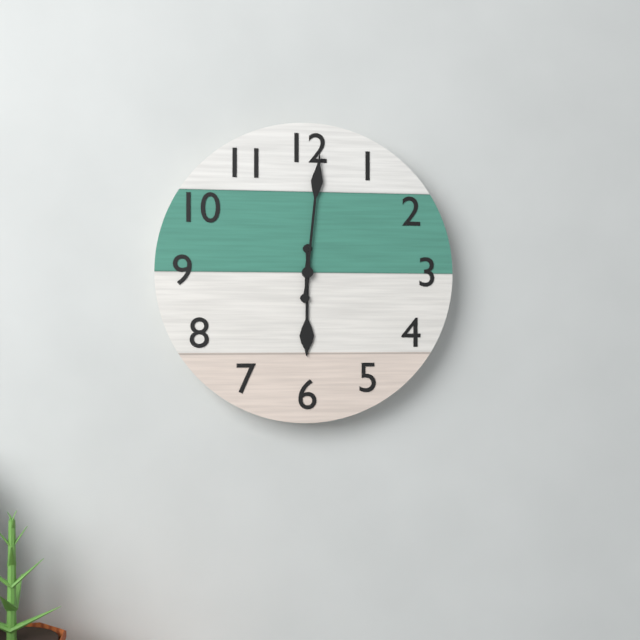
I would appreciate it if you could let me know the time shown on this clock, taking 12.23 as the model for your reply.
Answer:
6.01
